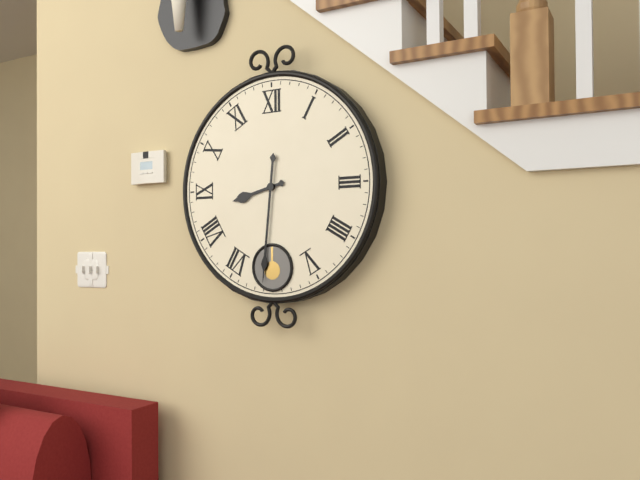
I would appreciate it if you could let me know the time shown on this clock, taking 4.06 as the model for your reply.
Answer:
8.31
